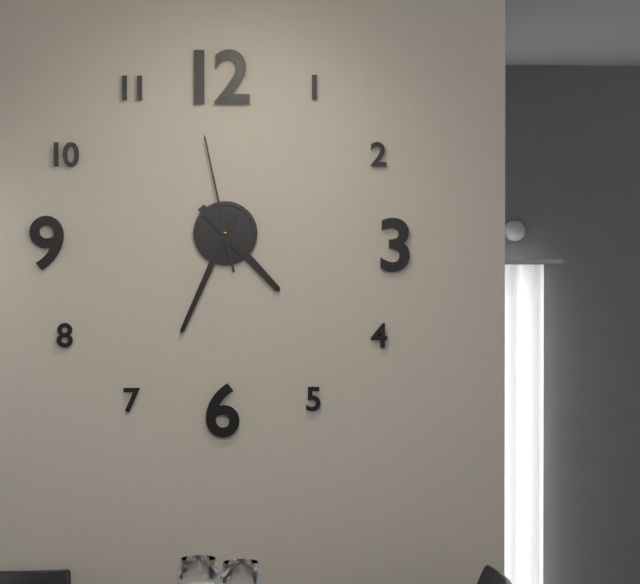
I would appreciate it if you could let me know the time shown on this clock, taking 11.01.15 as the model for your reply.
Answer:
4.34.58
